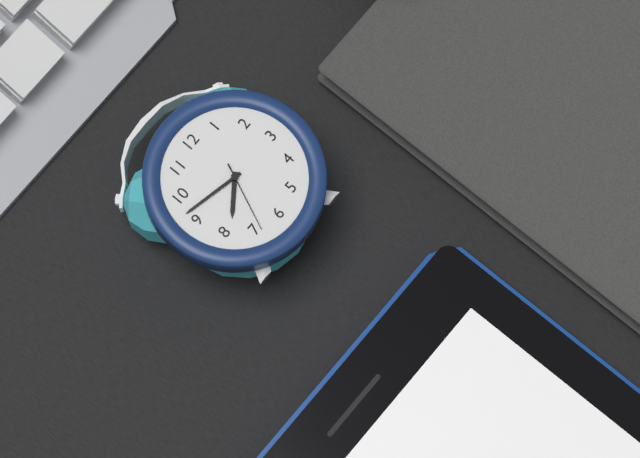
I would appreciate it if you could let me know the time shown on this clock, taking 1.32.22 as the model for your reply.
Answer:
7.47.34
